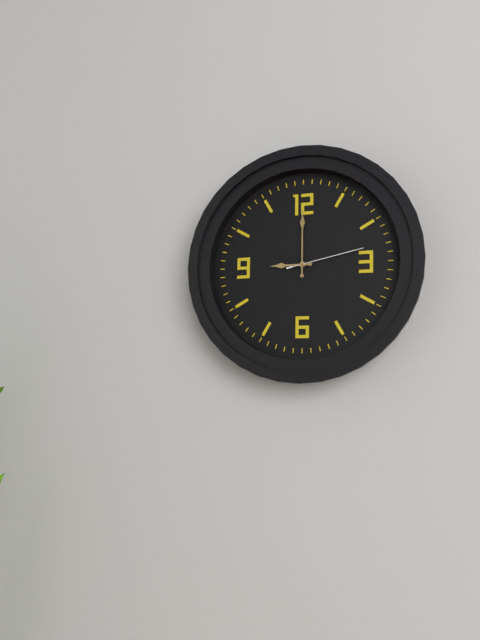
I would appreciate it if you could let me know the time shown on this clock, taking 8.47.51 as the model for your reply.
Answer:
9.00.13
